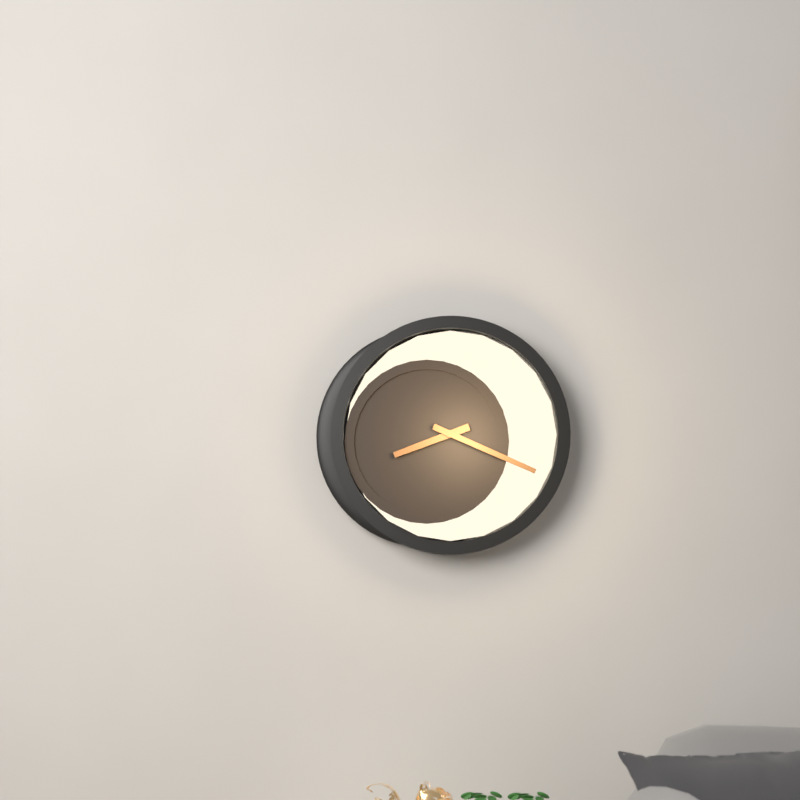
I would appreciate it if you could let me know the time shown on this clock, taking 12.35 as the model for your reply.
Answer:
8.19
